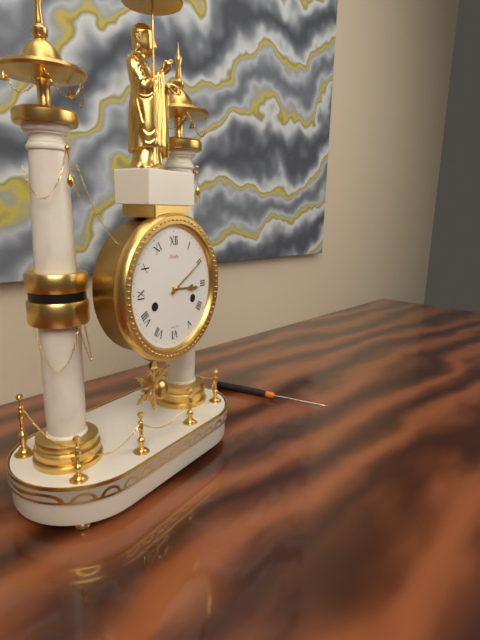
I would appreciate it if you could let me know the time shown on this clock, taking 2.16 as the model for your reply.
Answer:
3.10
